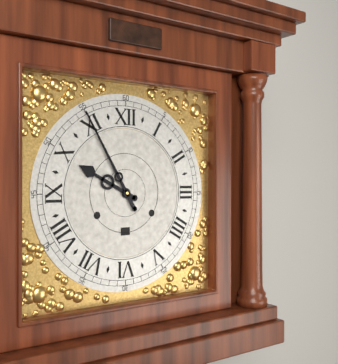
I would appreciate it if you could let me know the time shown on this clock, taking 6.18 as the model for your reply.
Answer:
9.55
